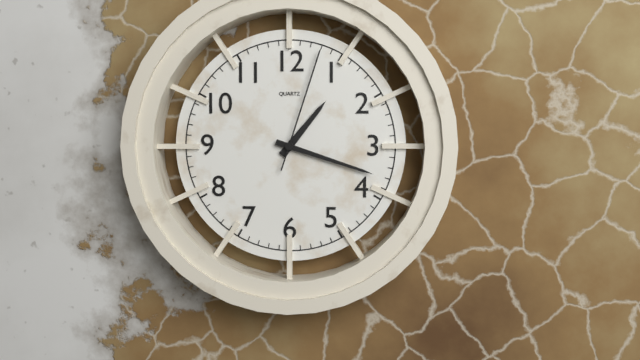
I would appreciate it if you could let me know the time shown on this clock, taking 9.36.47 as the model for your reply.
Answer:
1.18.03
